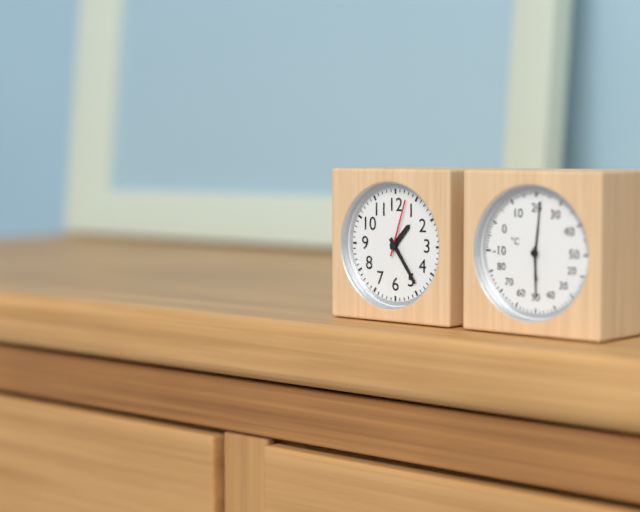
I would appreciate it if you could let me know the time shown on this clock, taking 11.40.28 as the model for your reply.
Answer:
1.24.03
